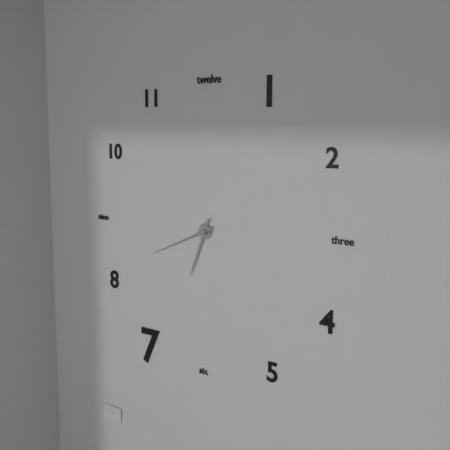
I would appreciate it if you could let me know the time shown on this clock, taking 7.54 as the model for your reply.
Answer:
6.41
